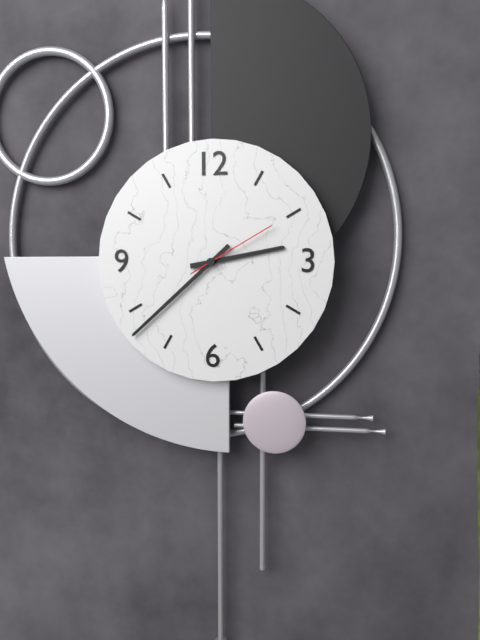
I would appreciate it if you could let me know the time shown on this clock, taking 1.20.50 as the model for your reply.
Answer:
2.38.10
